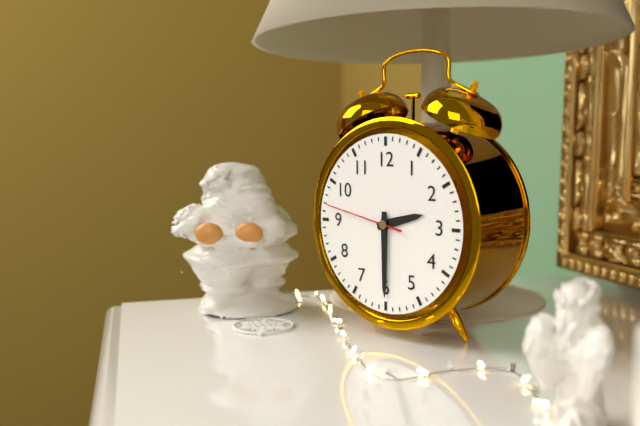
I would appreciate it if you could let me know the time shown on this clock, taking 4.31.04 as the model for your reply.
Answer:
2.30.47
